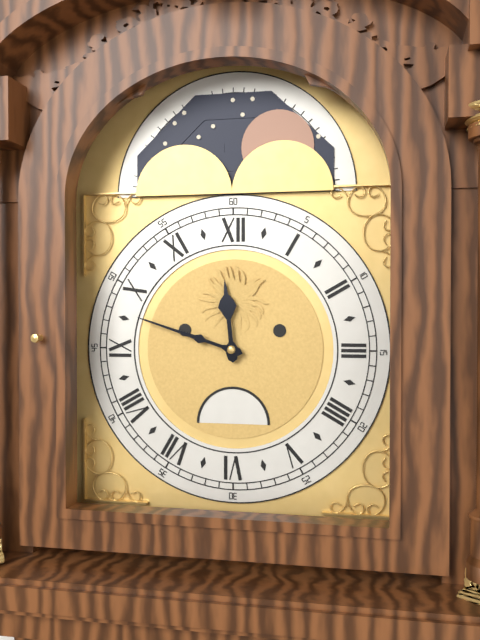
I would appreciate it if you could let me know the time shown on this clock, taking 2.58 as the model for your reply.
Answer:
11.48
